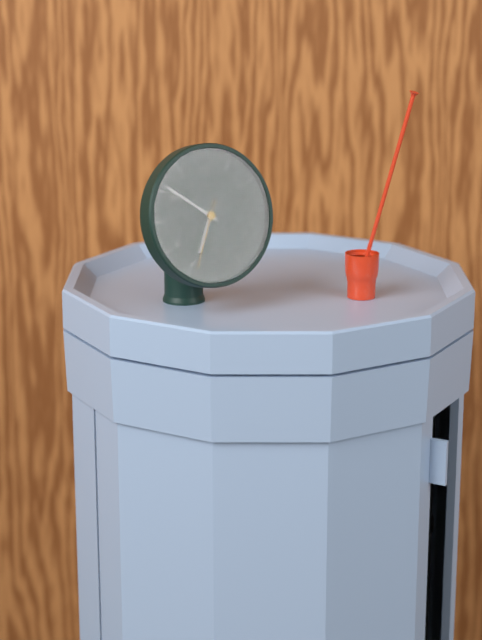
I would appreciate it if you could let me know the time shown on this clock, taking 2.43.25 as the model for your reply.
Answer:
6.51.34
